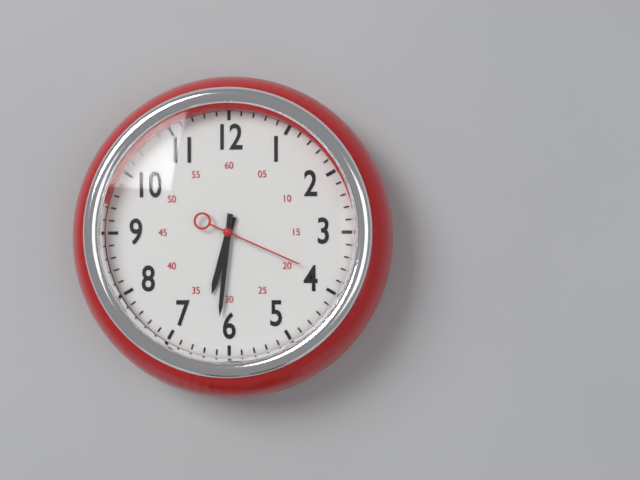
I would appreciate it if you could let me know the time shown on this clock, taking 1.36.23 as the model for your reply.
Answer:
6.31.19
